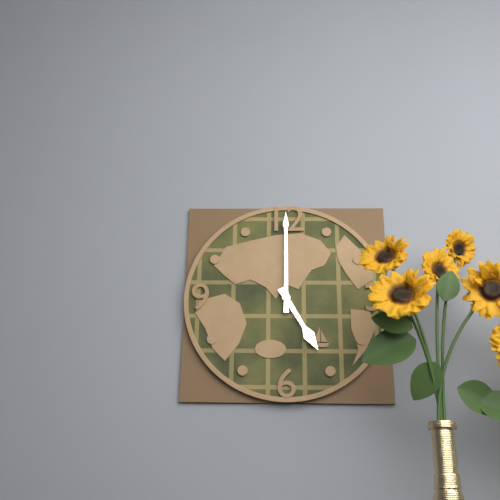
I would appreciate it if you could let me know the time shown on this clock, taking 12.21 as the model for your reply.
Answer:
5.00
